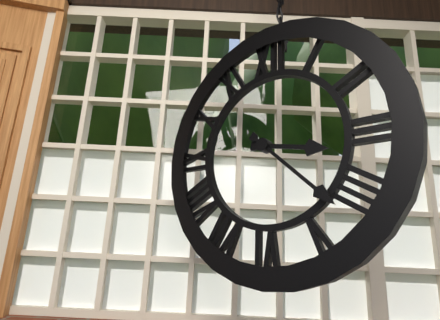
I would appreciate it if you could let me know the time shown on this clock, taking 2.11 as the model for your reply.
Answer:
3.22
